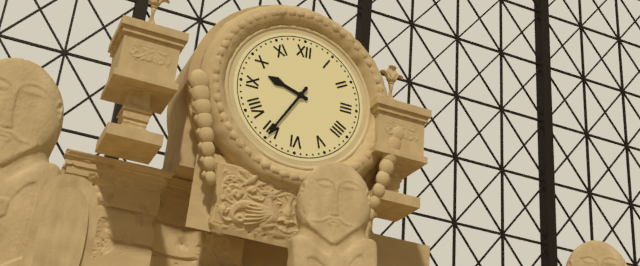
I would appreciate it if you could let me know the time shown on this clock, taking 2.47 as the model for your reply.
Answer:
9.35
